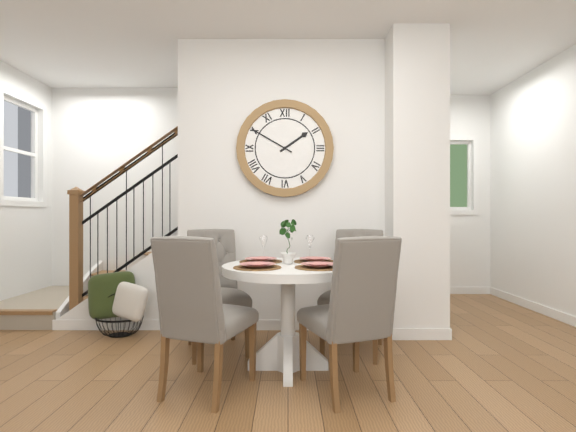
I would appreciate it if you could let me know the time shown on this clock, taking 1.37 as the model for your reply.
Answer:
1.50
